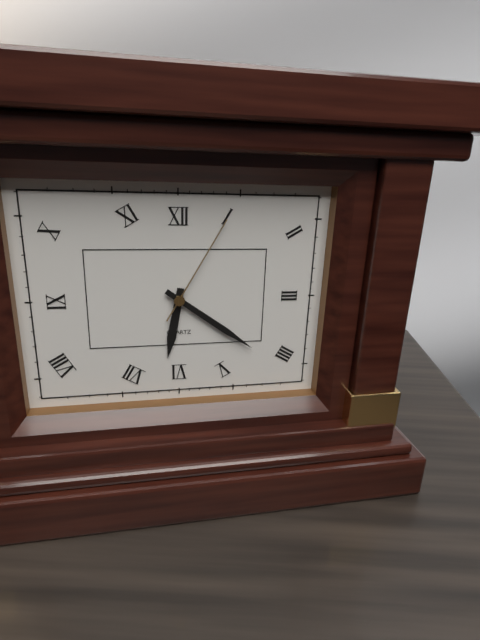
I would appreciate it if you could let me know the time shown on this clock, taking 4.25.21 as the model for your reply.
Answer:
6.21.05
